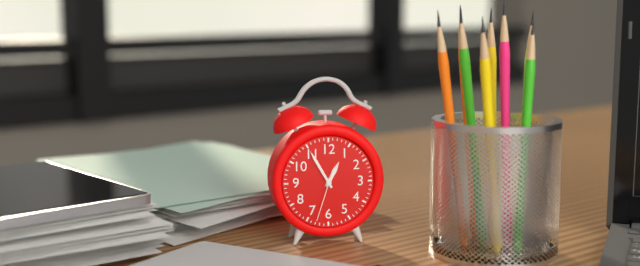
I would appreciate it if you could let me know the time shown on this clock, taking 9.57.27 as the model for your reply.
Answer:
12.55.33
